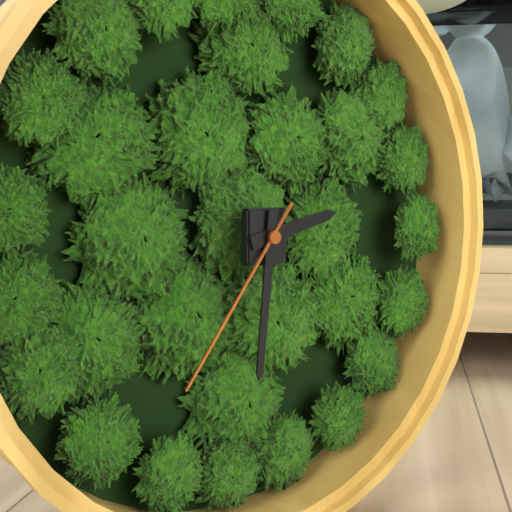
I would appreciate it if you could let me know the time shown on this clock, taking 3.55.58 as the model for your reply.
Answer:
2.31.36
